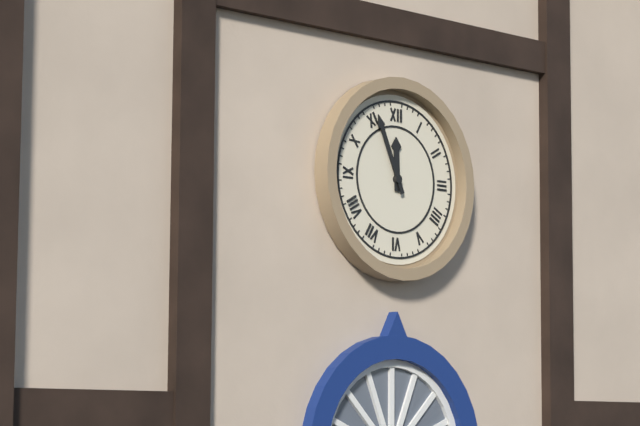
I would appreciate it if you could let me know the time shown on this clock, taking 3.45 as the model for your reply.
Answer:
11.56
